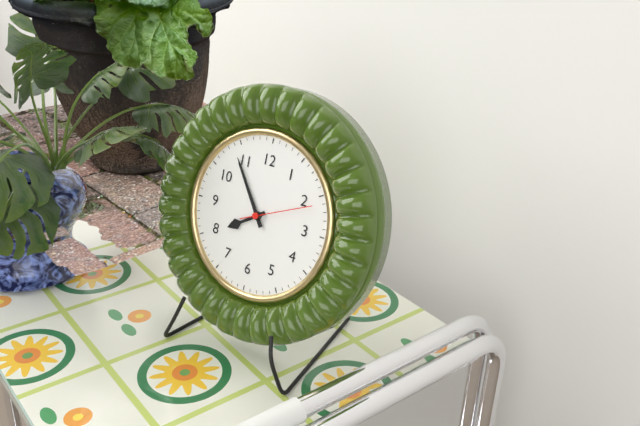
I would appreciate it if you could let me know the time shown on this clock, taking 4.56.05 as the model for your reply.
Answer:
7.54.11
